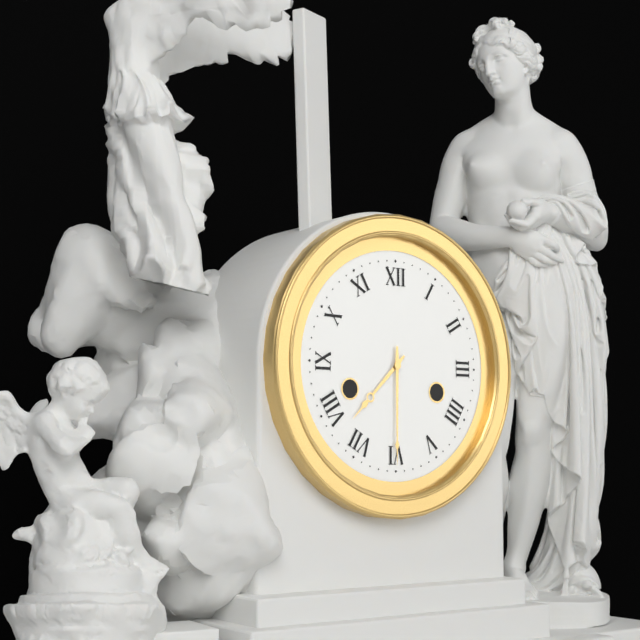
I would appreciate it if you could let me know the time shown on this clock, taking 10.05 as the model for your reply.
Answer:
7.30
